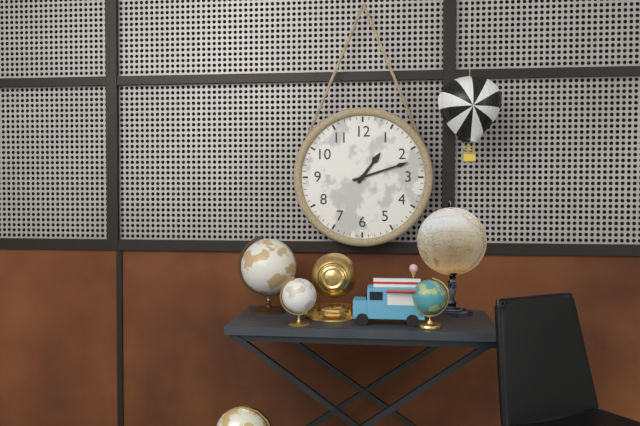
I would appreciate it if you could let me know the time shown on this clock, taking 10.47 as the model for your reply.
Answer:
1.12
